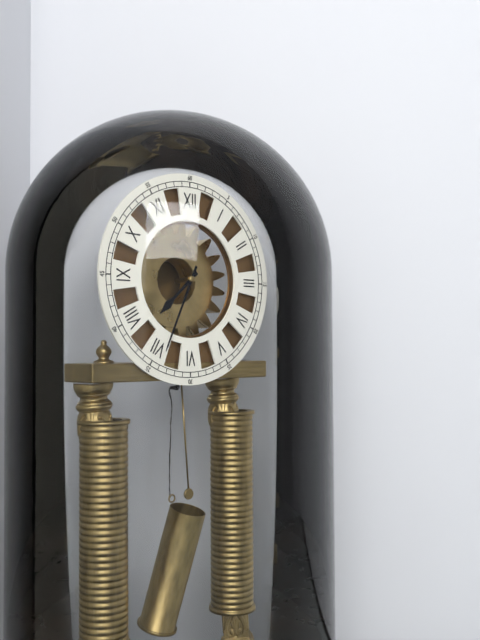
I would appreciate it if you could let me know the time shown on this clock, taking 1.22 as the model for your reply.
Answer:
7.34
